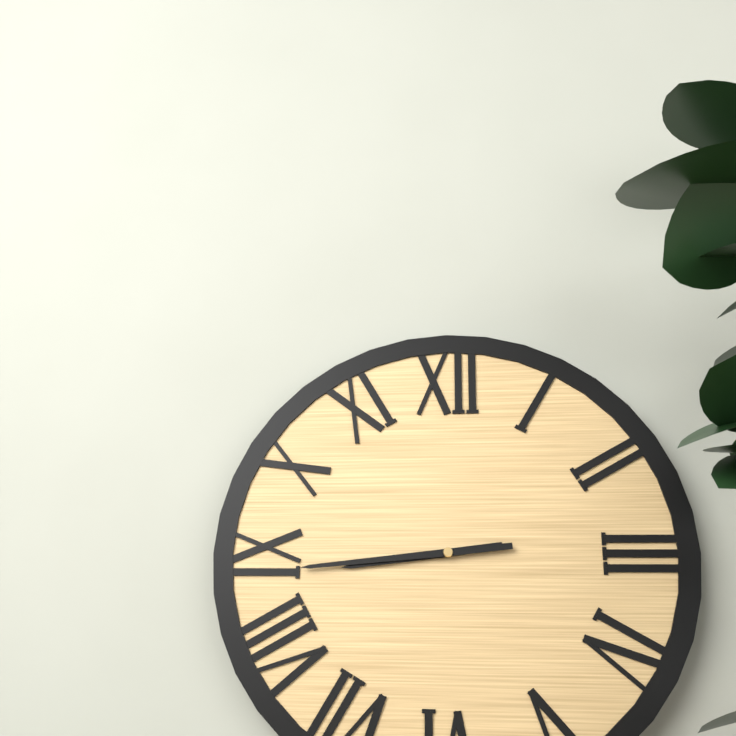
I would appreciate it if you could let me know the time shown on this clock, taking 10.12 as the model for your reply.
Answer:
8.44
